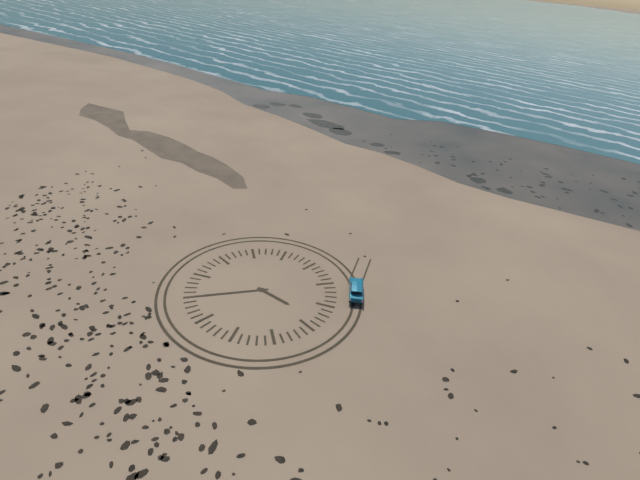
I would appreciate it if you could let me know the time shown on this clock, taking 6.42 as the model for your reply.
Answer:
3.40
